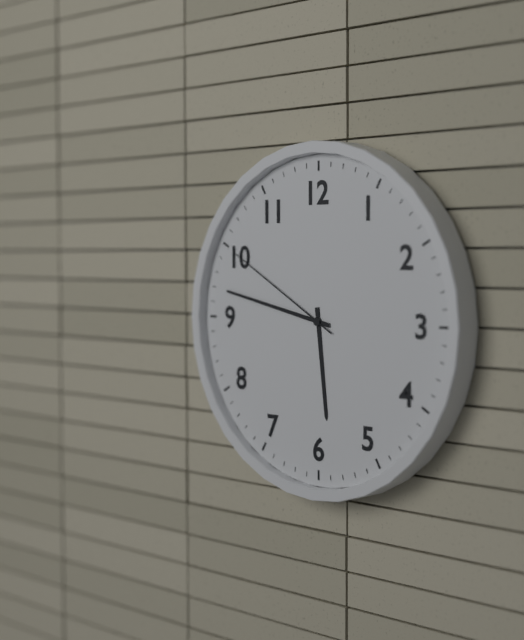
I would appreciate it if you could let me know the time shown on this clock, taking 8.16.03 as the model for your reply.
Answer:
5.47.50
